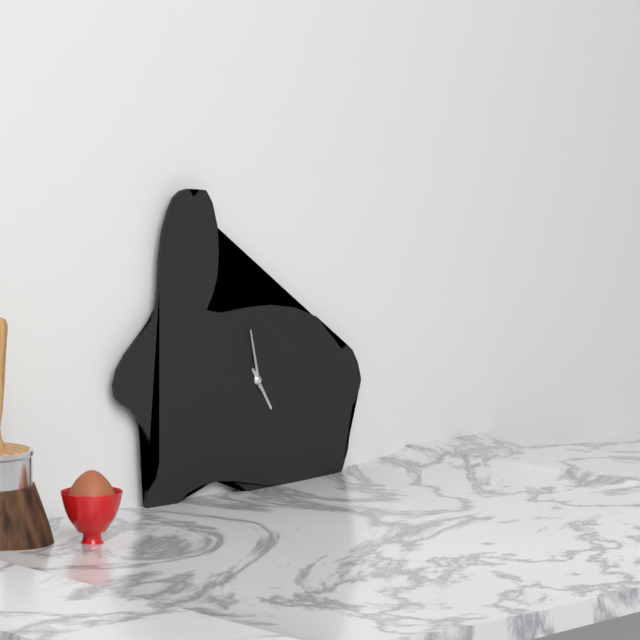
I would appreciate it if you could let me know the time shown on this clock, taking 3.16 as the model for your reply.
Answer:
4.58
